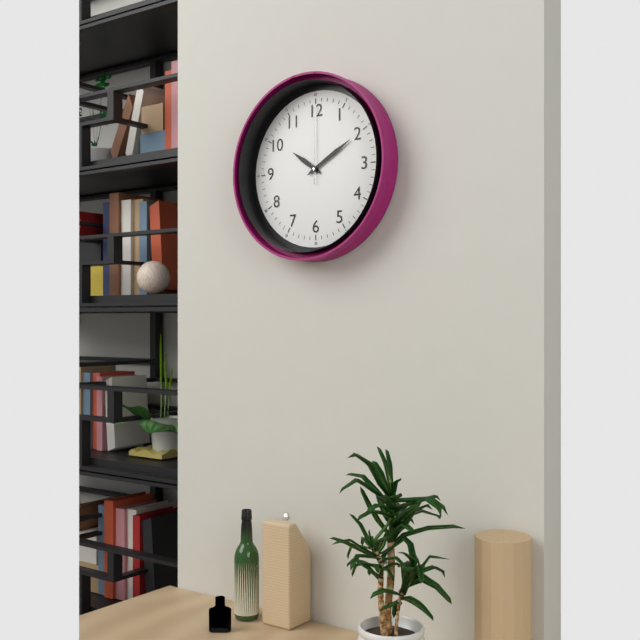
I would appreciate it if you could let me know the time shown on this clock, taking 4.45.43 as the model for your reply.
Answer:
10.10.00
